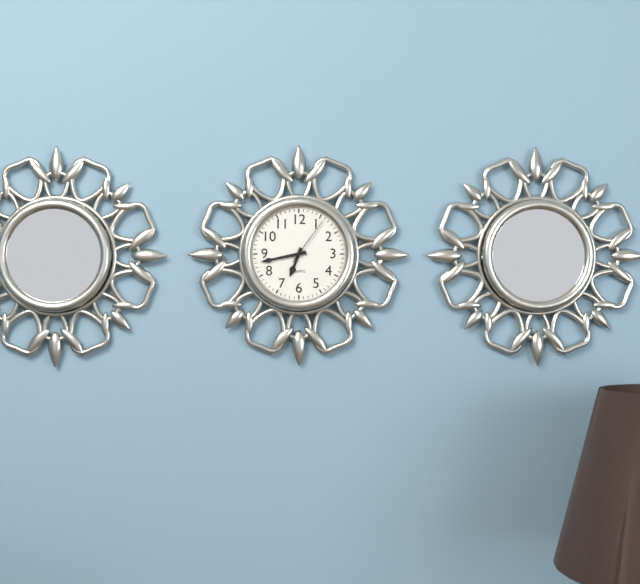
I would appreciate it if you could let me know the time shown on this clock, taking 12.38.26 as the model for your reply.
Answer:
6.43.06
